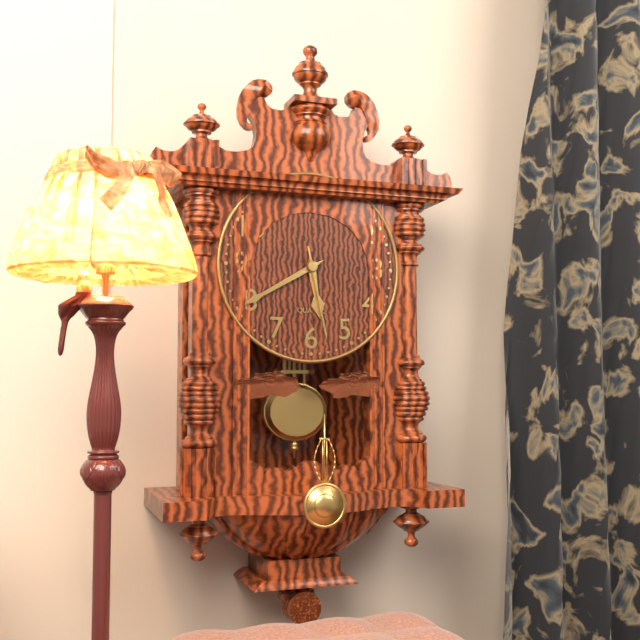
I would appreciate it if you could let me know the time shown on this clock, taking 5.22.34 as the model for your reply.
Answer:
5.40.28
